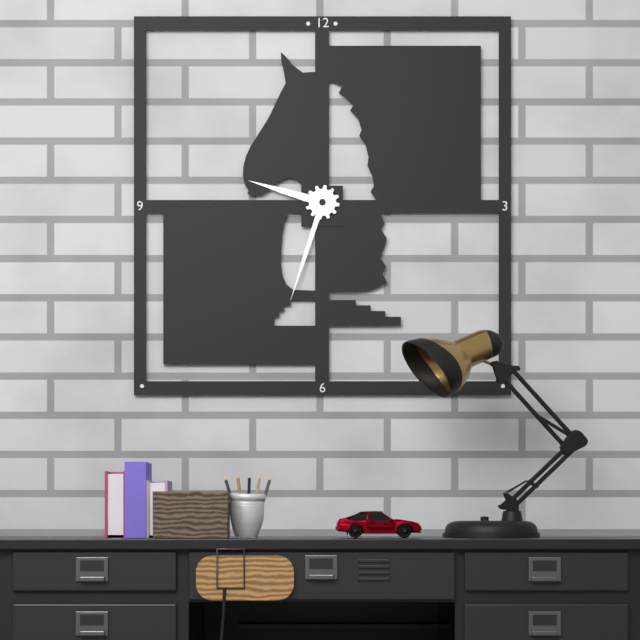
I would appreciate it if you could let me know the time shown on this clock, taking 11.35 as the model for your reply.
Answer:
9.33
